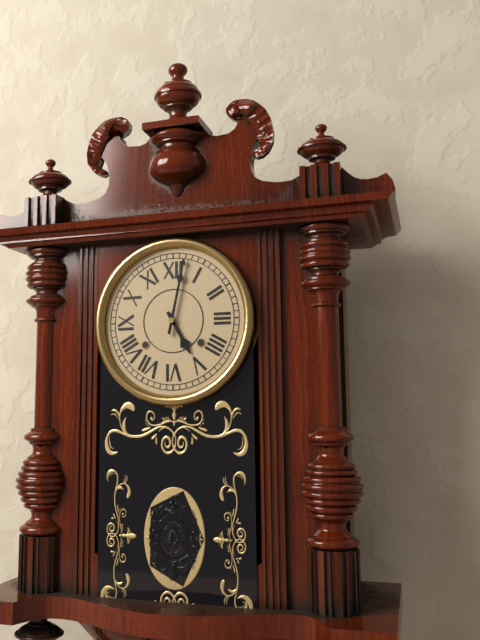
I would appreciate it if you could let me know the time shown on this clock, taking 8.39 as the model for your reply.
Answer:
5.02
